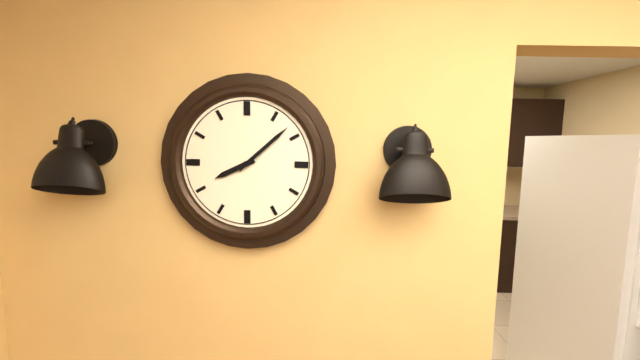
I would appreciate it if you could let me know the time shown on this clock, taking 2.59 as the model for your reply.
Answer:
8.08
